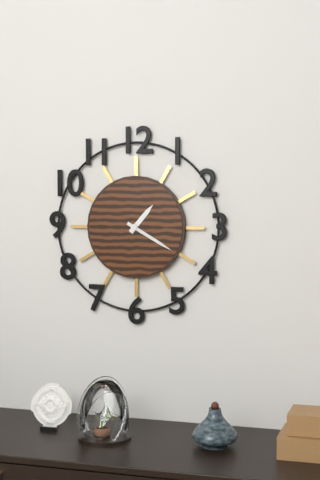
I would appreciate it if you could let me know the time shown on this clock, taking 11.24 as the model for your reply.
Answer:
1.20
